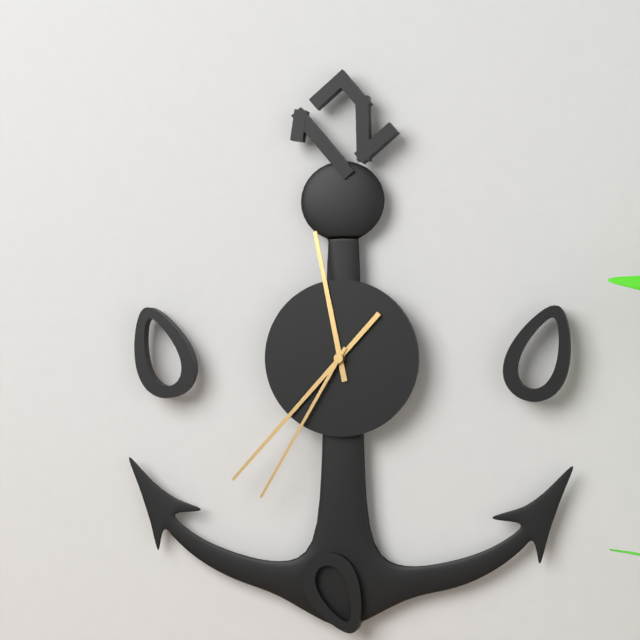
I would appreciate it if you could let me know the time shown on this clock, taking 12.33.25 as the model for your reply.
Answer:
11.37.35
